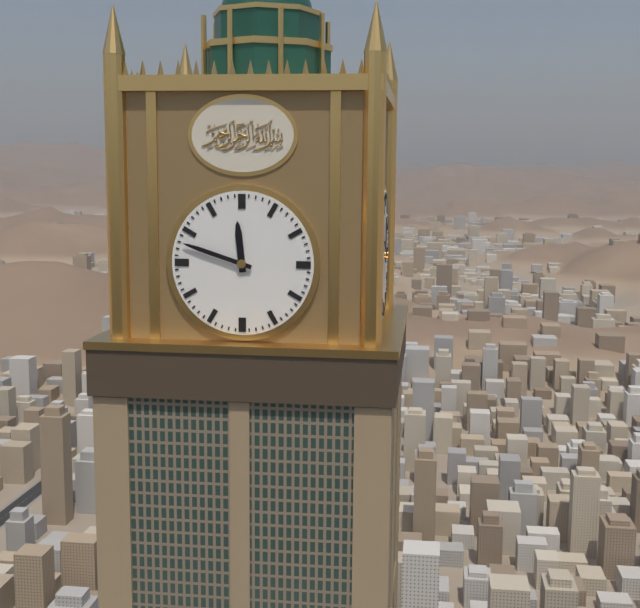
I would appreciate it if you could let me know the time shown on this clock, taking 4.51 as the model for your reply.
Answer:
11.48
